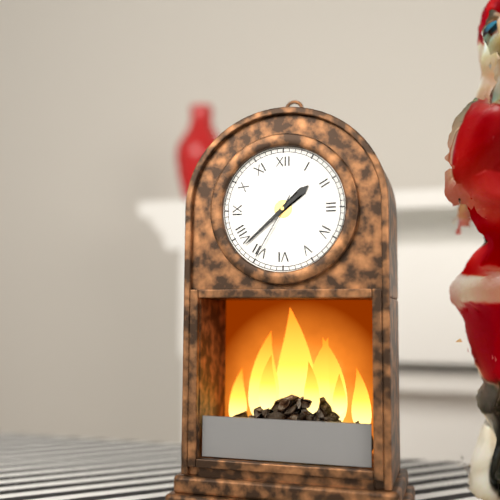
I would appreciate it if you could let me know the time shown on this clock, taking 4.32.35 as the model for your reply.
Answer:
1.38.35
